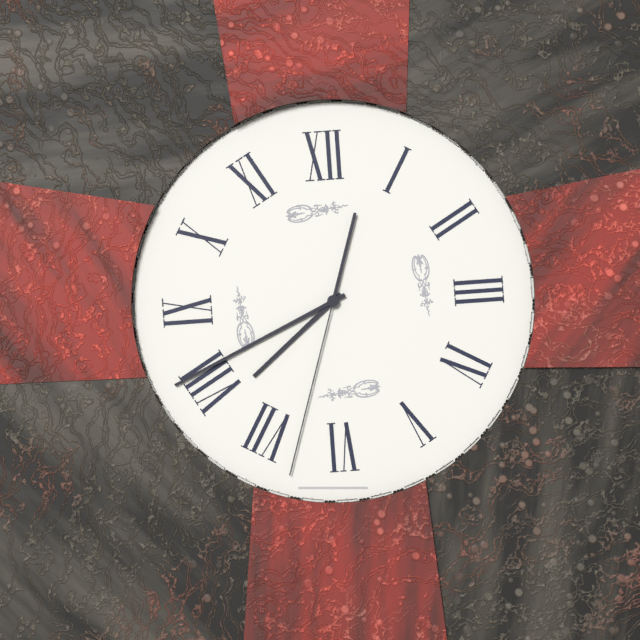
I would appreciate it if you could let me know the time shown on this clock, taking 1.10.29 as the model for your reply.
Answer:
7.41.33
